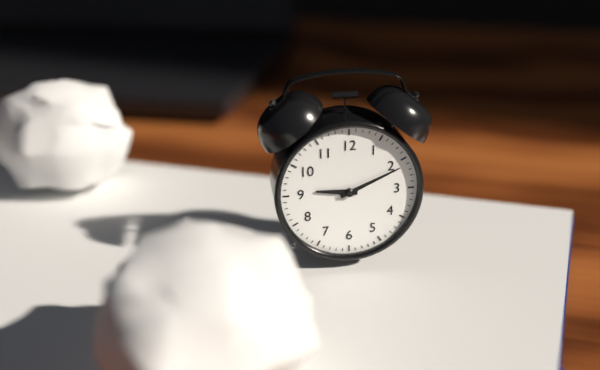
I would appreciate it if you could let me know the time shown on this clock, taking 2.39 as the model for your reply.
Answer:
9.11
